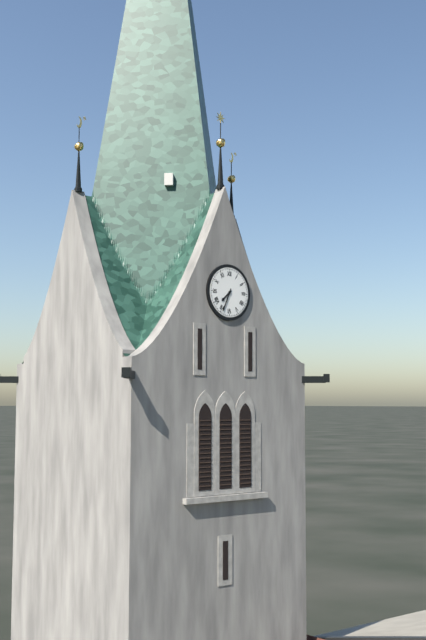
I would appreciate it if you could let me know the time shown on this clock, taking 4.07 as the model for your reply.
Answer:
7.34
